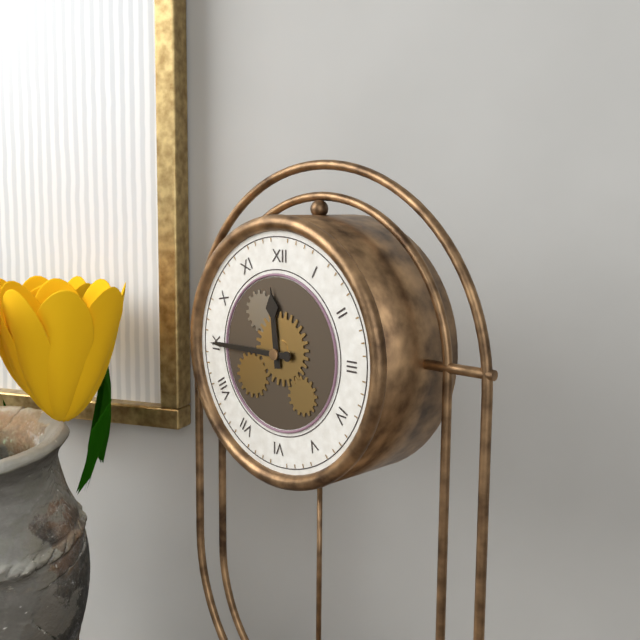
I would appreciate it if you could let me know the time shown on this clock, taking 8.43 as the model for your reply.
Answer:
11.45
